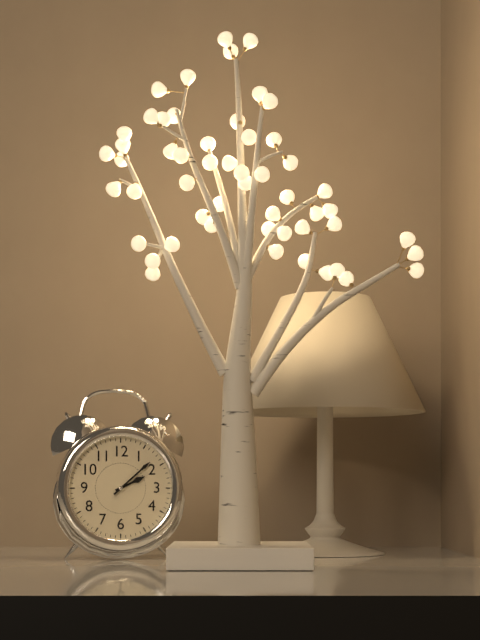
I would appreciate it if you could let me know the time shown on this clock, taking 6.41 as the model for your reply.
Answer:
2.08
